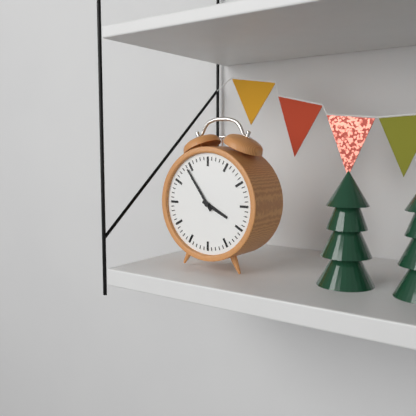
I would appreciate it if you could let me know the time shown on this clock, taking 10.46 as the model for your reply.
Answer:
3.54
